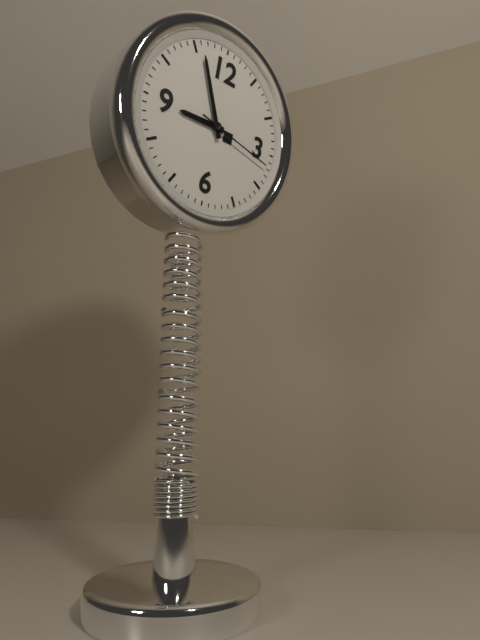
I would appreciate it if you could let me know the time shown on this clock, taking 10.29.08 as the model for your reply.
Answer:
8.56.17
